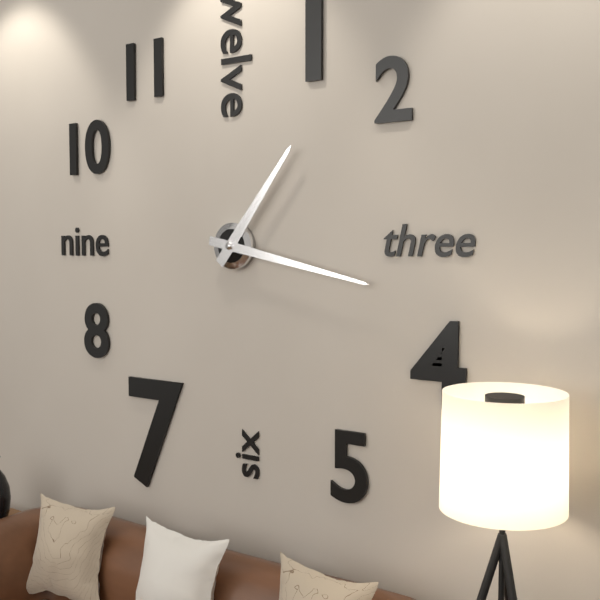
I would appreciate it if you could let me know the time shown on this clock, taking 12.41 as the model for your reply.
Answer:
1.17
